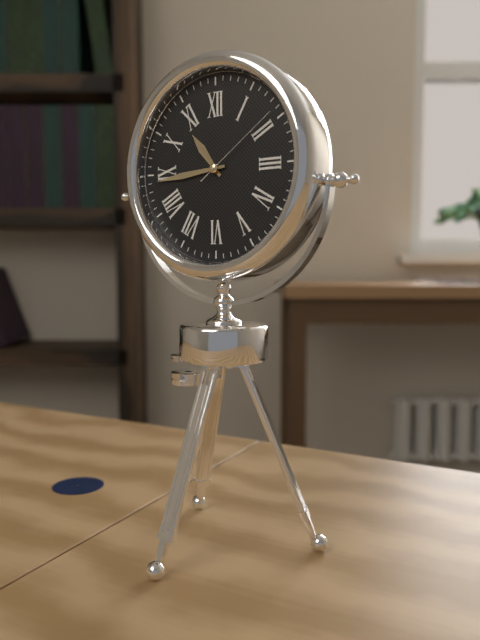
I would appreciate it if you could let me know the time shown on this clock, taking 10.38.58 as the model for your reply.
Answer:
10.44.09
